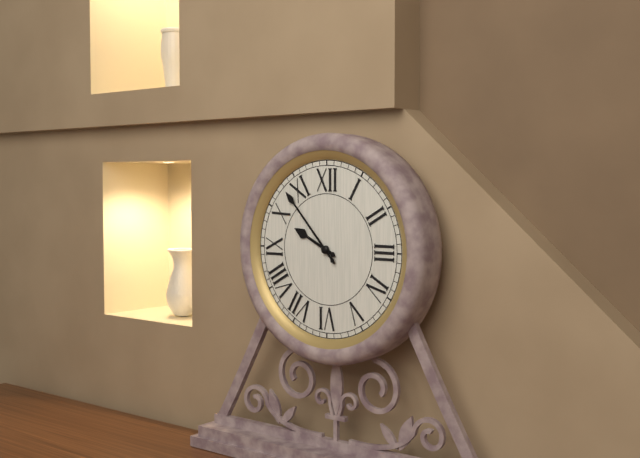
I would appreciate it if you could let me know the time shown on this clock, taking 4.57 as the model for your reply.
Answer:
9.53
